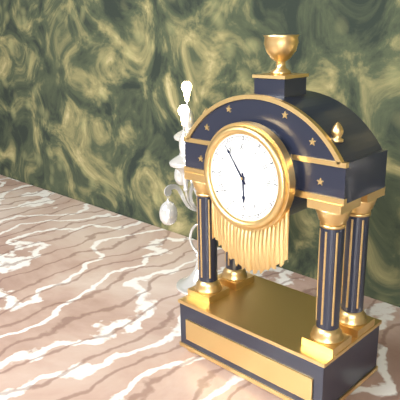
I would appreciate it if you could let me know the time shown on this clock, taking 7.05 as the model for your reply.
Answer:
5.54
